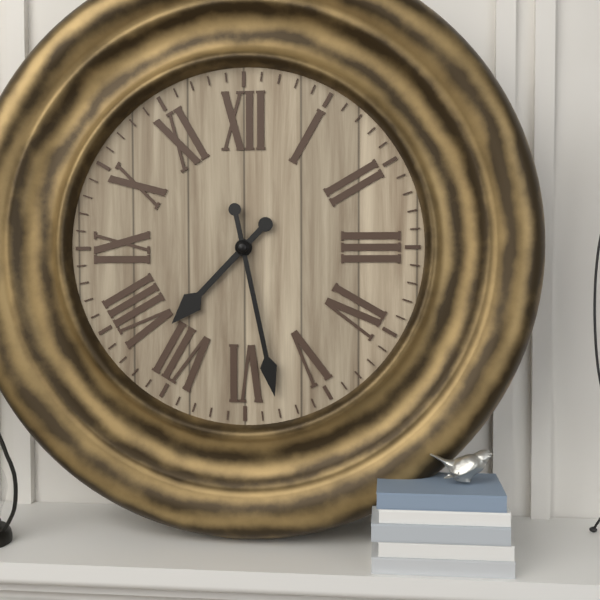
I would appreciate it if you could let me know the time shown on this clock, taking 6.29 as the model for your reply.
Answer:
7.28
